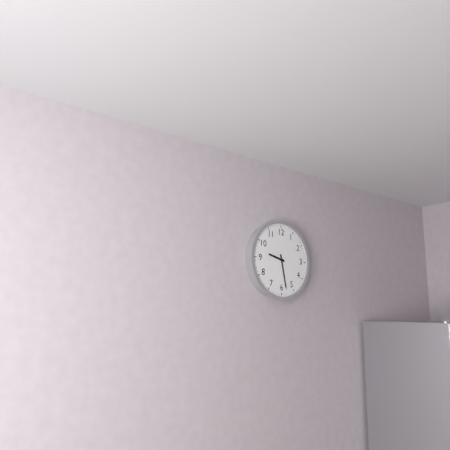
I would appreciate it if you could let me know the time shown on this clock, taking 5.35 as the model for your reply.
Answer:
9.28
